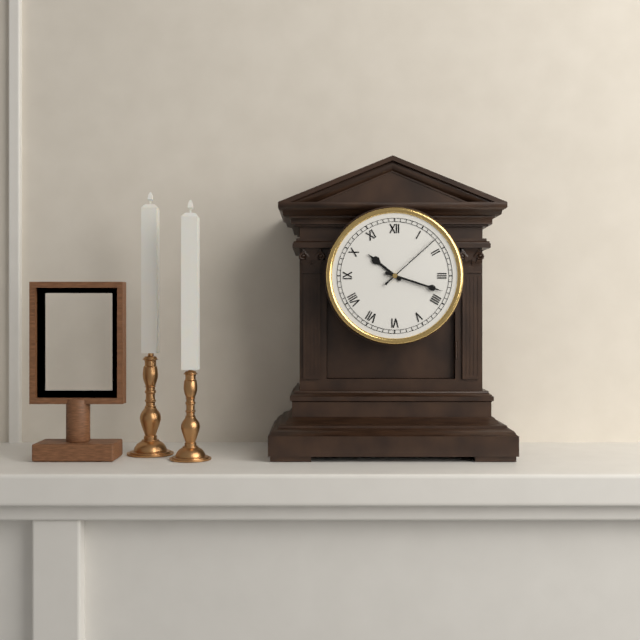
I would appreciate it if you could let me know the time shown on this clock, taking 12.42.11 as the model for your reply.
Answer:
10.18.08
